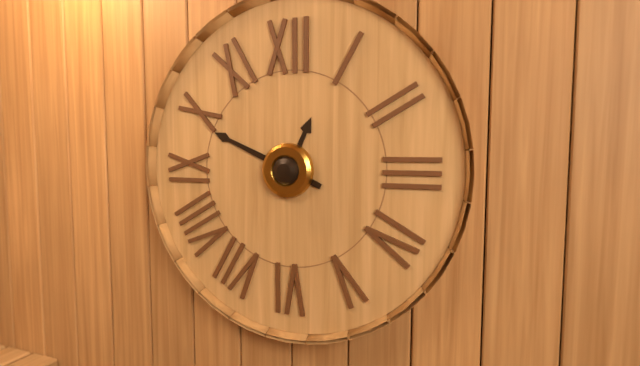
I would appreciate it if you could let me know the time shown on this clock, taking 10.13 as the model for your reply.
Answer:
12.49
